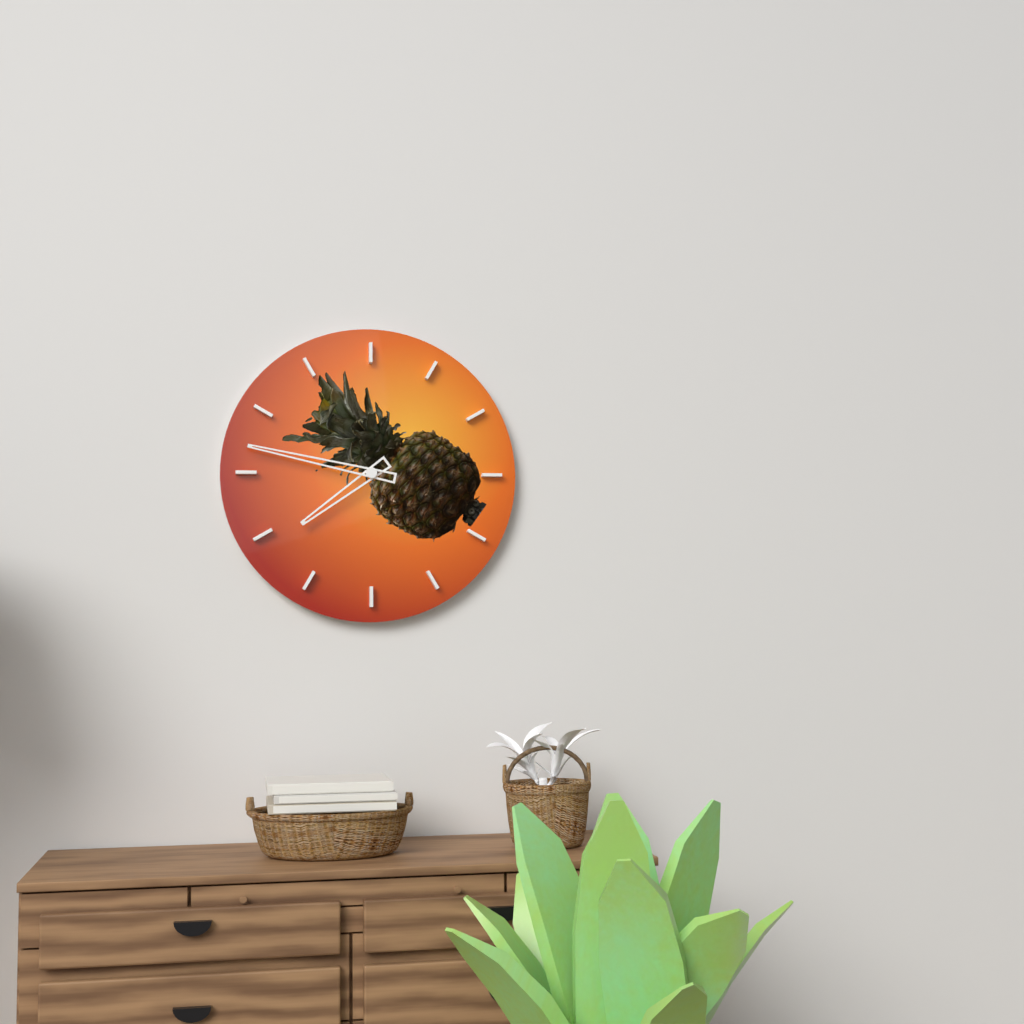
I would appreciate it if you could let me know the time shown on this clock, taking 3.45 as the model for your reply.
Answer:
7.47
